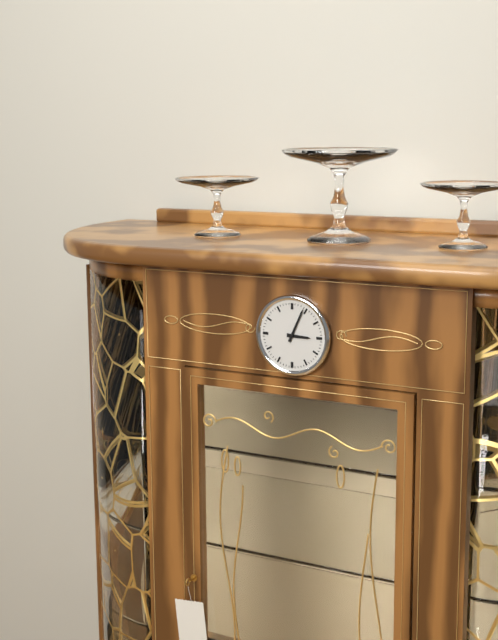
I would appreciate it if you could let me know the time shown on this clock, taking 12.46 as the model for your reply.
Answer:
3.04
